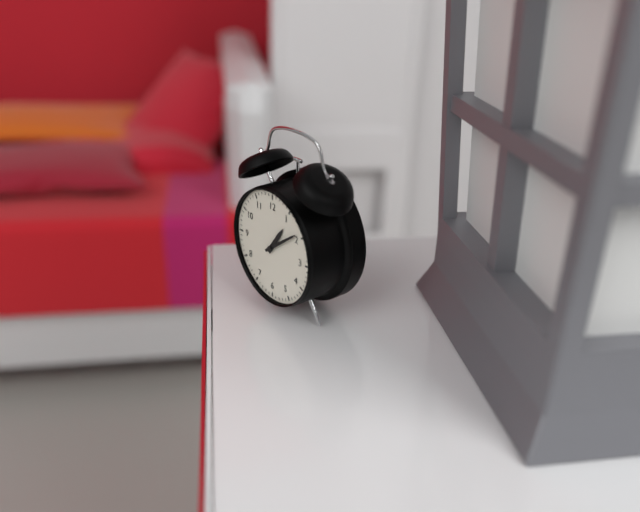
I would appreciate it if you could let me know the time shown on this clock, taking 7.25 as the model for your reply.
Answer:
1.09
